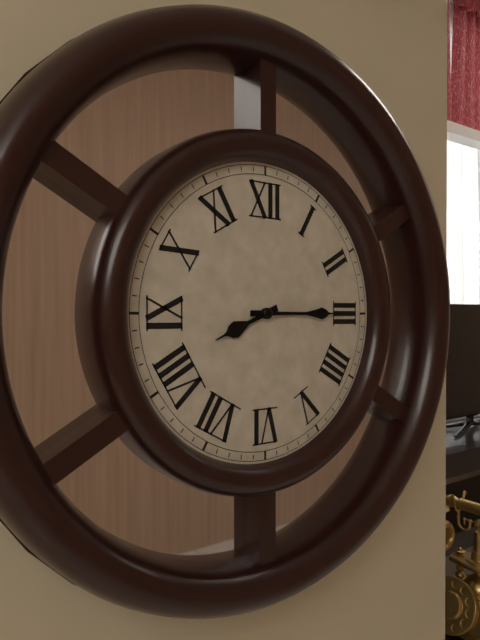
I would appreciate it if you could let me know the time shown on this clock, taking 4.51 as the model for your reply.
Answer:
8.15
